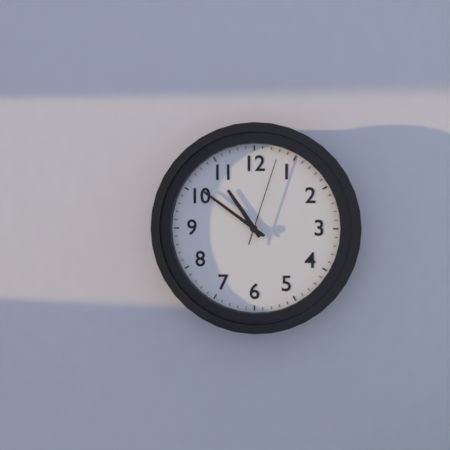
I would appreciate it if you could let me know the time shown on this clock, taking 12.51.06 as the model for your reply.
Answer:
10.51.03
